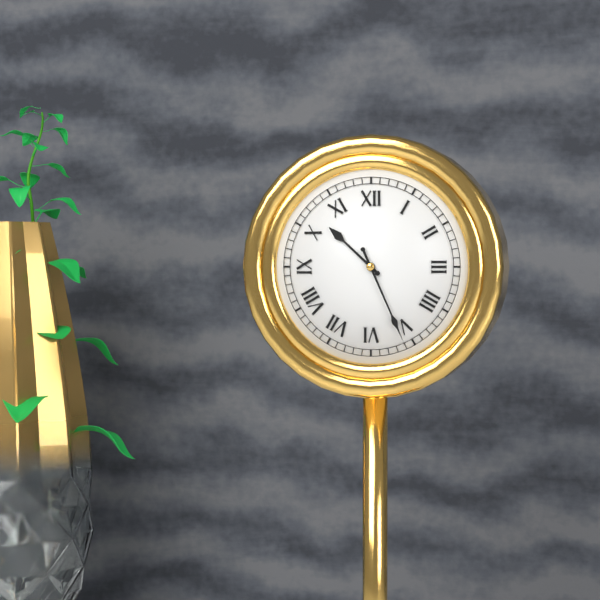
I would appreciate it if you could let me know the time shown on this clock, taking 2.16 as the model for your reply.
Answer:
10.26
